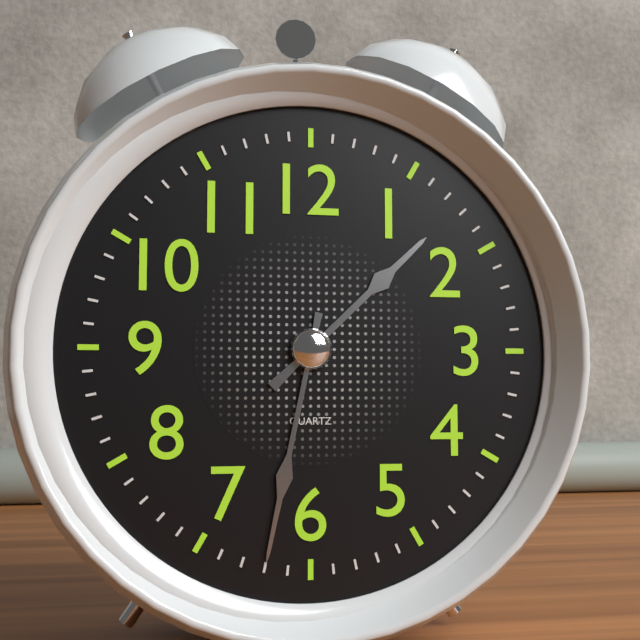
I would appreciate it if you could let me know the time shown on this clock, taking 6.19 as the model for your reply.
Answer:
1.32
